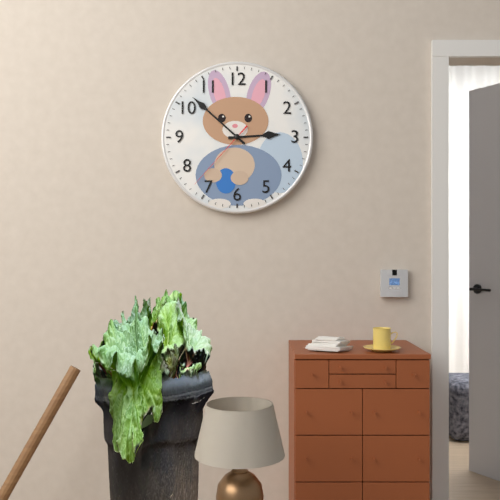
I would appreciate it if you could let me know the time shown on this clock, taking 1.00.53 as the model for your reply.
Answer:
2.52.37
